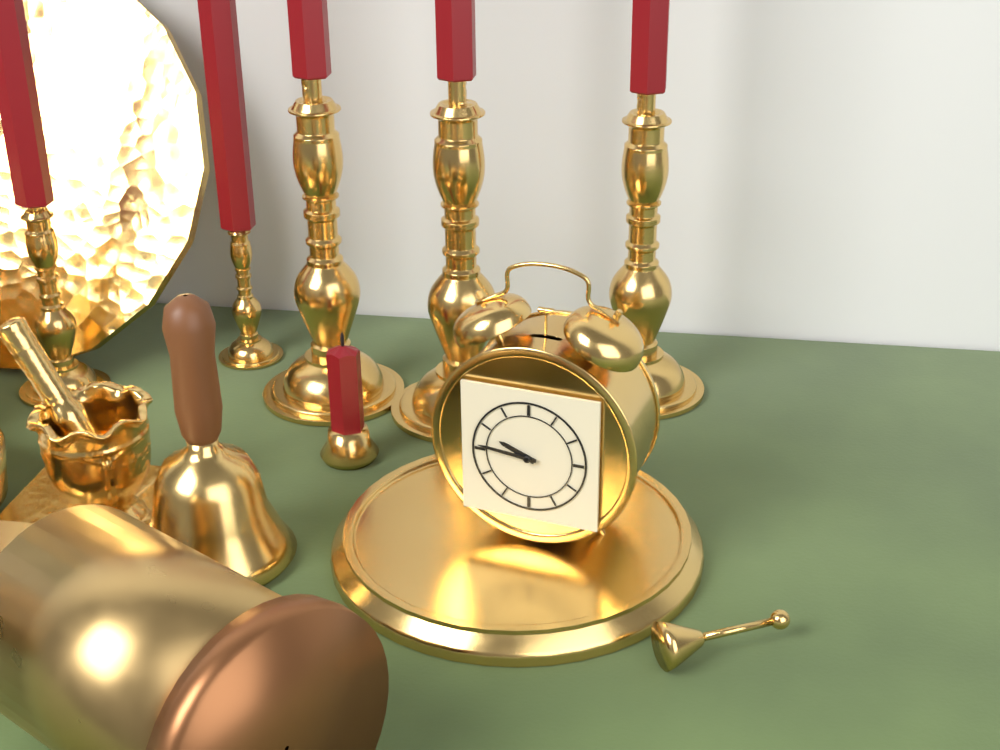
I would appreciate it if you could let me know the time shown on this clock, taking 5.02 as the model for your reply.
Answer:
9.46
